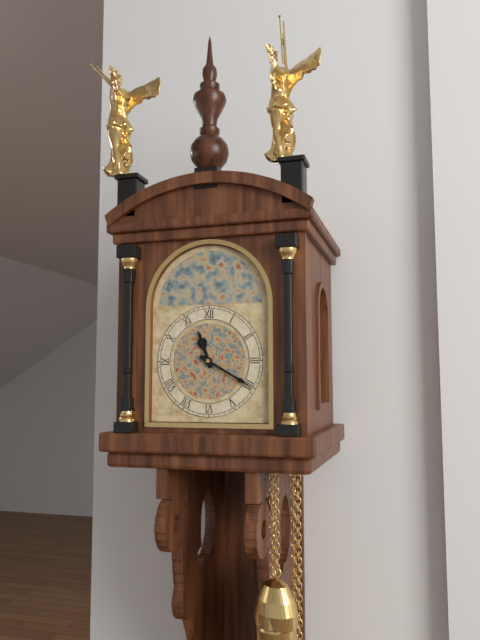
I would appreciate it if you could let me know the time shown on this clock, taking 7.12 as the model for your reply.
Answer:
11.20
